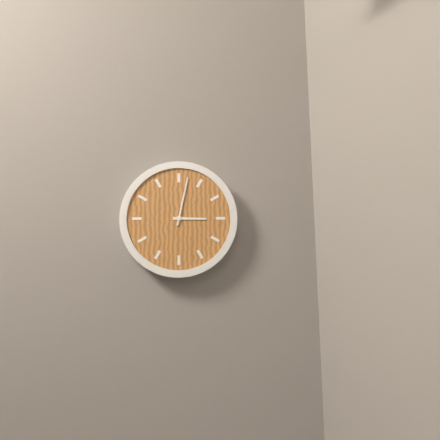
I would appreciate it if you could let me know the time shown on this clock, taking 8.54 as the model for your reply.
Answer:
3.02
